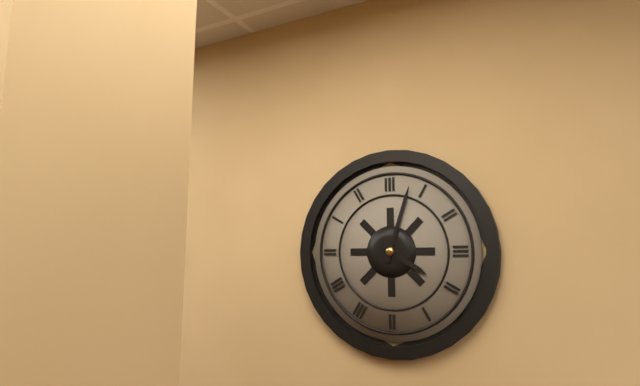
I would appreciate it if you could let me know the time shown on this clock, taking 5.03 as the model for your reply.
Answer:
4.03
